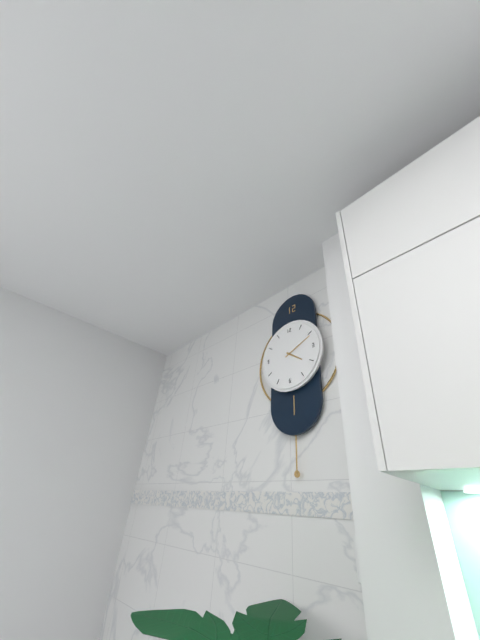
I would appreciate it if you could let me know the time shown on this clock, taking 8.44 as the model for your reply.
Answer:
4.11
